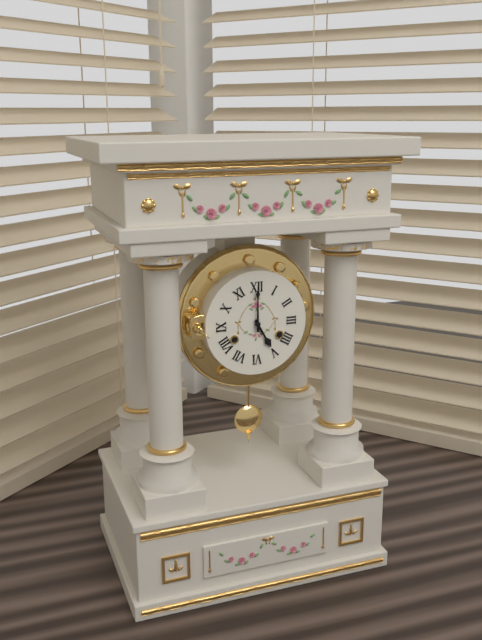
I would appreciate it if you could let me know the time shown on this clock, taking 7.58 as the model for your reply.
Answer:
5.00
